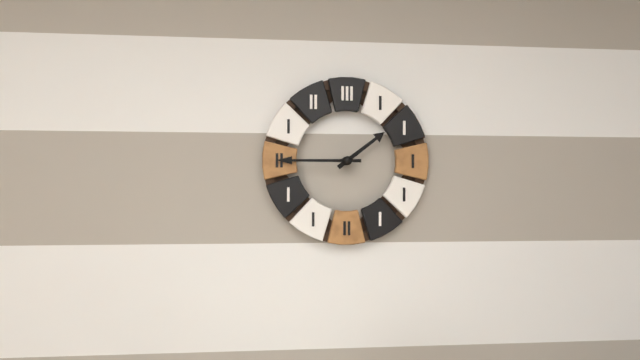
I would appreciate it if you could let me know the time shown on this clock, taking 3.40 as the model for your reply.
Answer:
1.45
